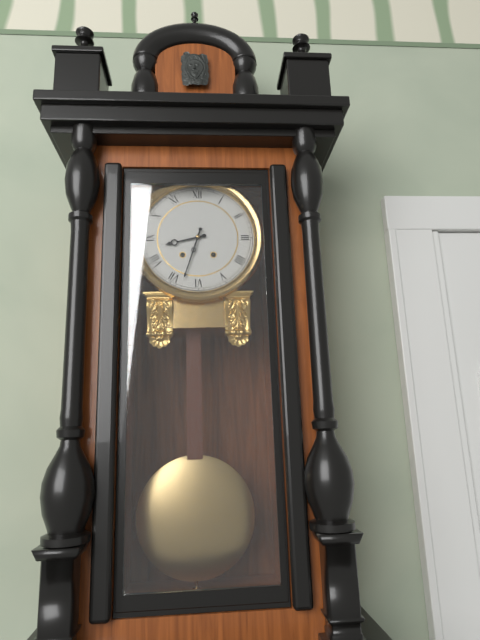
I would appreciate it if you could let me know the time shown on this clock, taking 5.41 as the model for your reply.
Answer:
8.33
